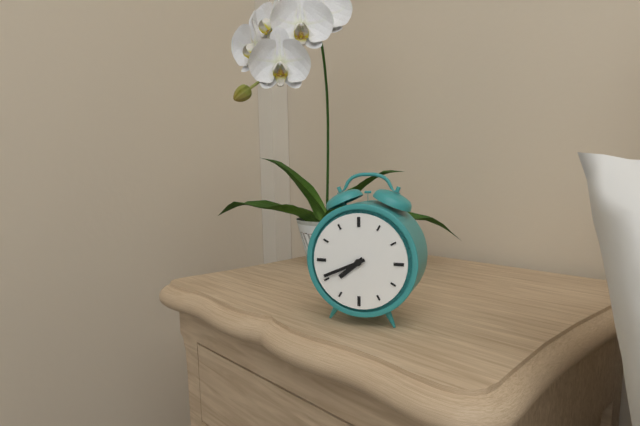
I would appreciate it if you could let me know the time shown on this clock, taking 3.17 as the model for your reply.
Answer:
7.41
